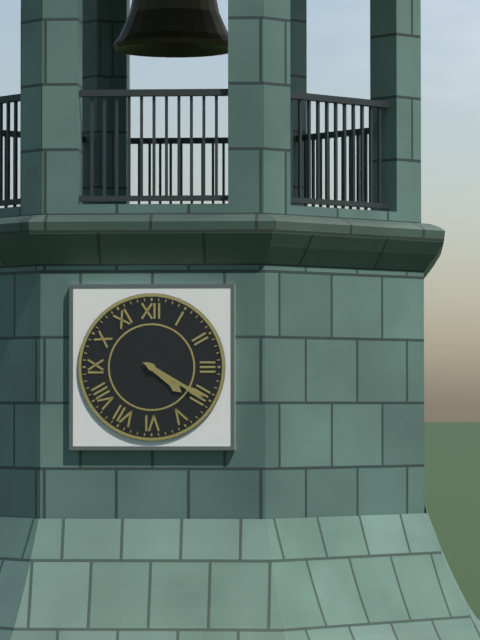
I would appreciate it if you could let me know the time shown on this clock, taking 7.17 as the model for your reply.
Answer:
4.20
